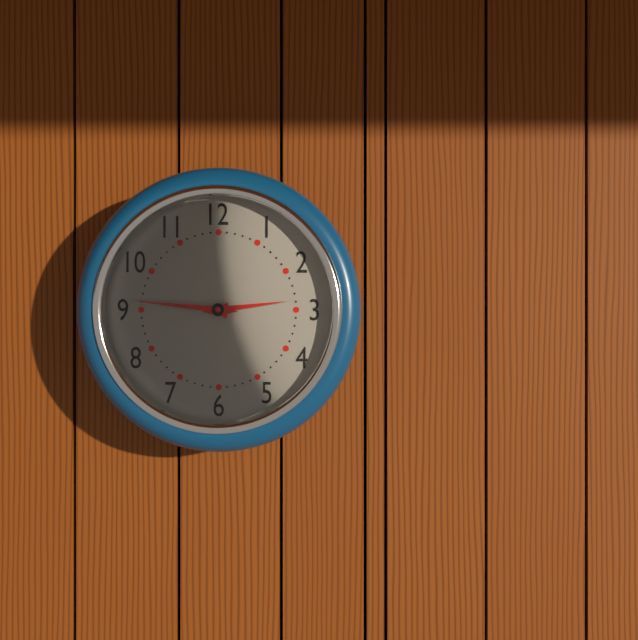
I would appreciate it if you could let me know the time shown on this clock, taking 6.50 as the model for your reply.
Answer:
2.46
